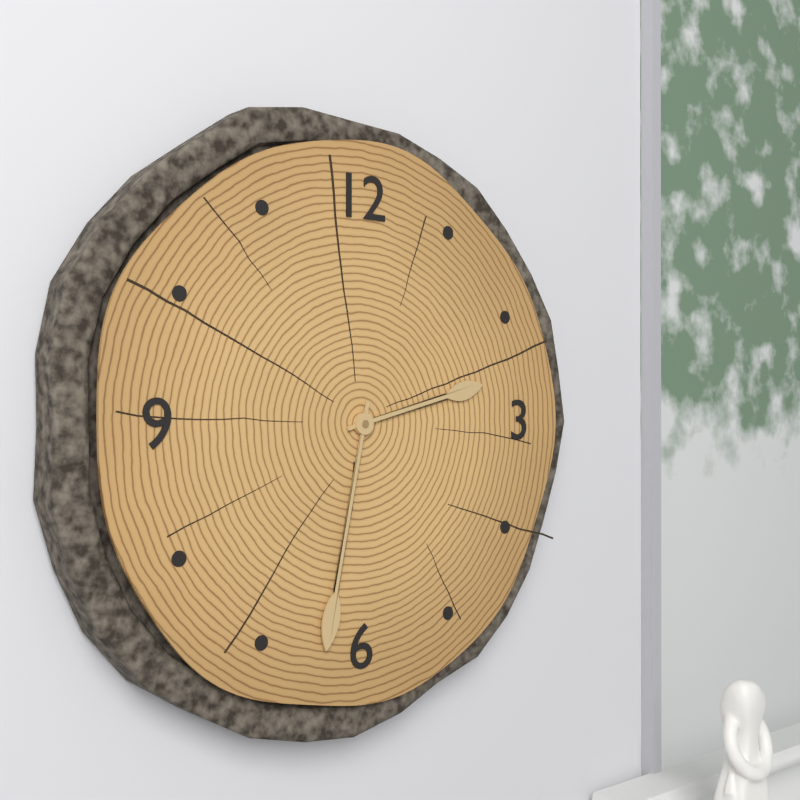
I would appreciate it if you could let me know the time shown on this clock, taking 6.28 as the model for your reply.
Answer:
2.32
